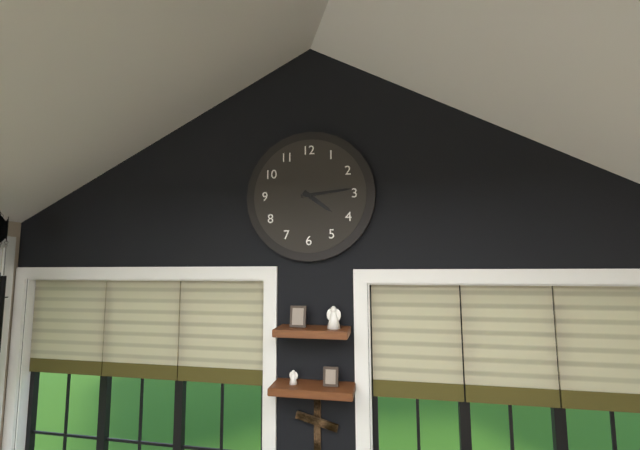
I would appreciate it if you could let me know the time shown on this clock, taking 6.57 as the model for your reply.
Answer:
4.14
